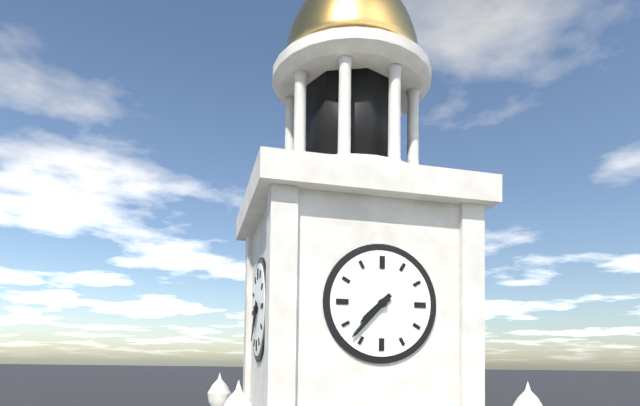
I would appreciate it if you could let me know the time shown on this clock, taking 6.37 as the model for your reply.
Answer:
7.37
